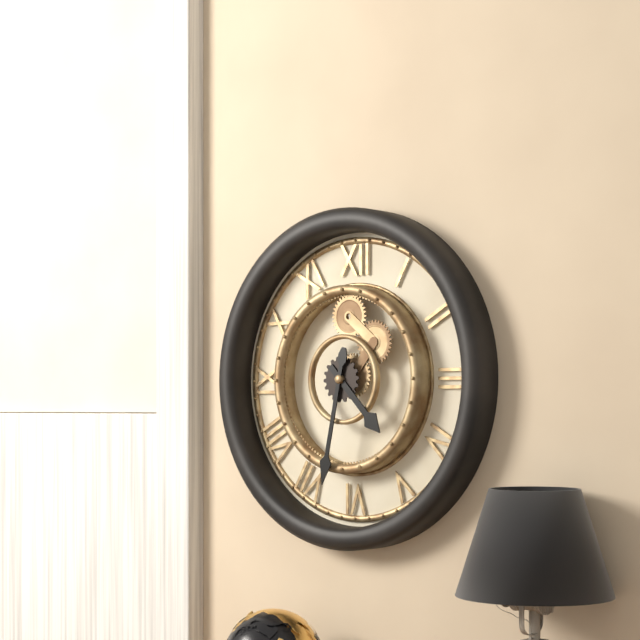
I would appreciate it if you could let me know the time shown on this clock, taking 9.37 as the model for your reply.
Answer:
4.32
